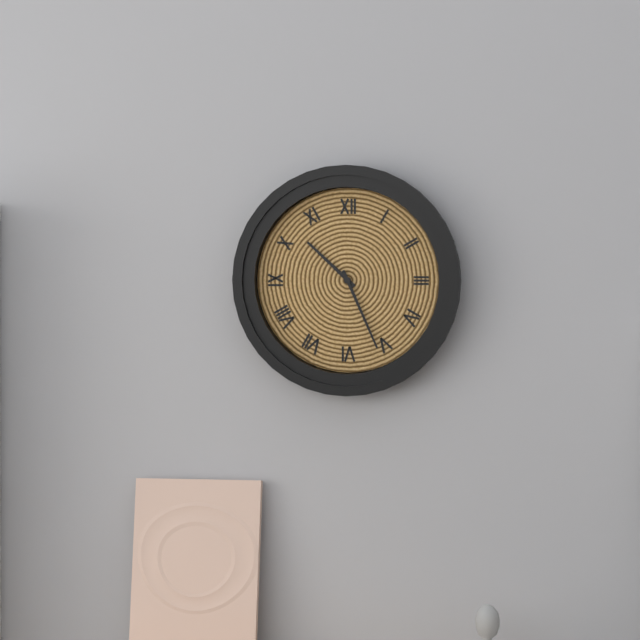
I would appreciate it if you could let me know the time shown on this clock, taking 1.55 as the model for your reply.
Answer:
10.26
